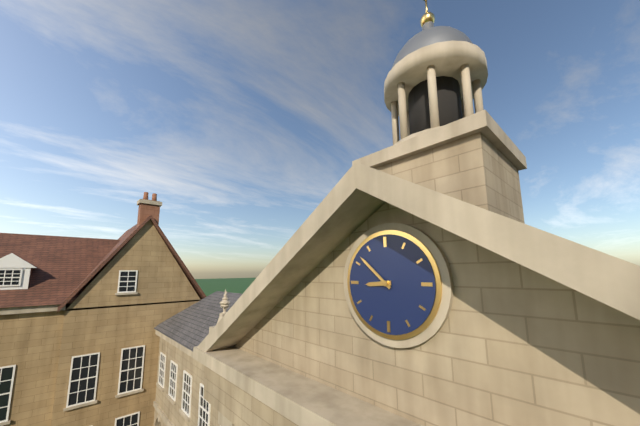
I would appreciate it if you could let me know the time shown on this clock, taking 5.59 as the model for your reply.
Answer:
8.52
